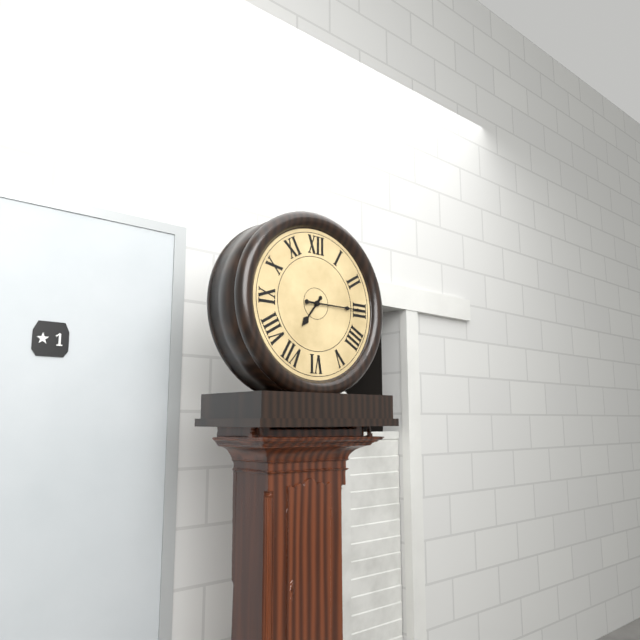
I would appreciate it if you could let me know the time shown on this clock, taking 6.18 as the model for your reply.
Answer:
7.15
